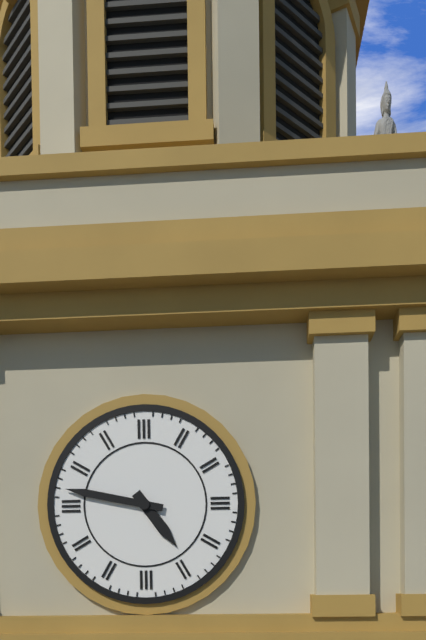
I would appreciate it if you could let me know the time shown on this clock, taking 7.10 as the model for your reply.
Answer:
4.47
